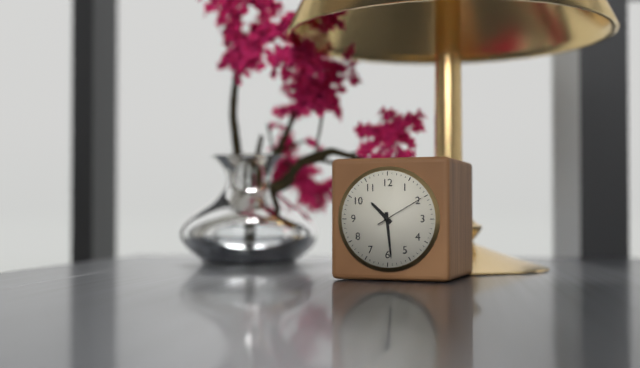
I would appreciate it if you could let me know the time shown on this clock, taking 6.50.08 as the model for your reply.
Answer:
10.29.10
